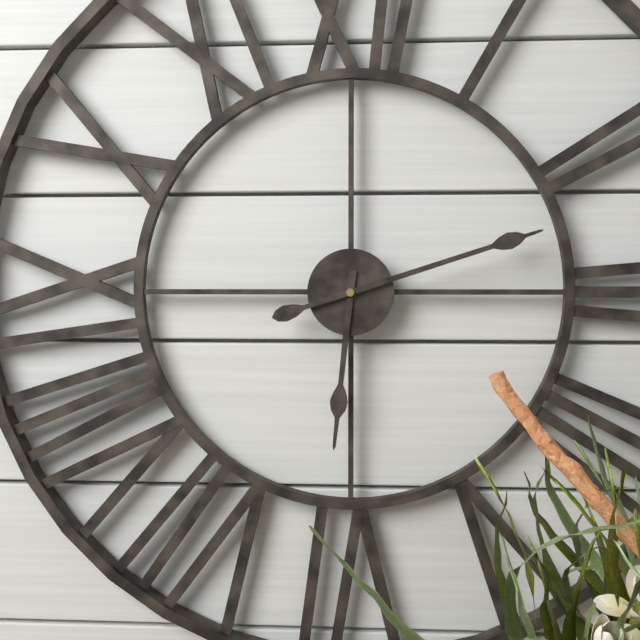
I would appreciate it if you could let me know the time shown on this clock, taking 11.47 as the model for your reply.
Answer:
6.12
